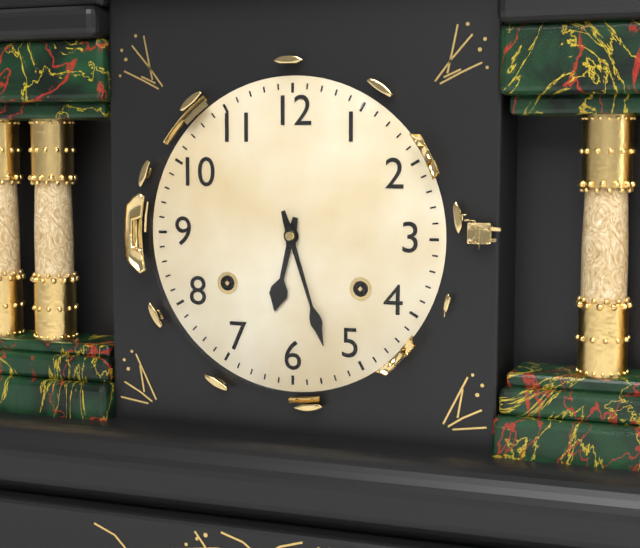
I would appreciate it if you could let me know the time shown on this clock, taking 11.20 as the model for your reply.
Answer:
6.27
